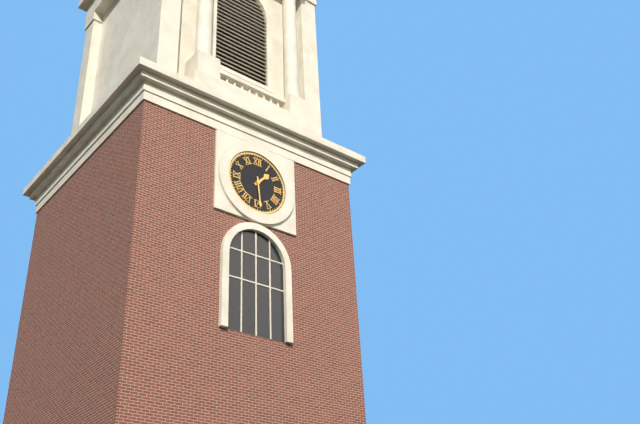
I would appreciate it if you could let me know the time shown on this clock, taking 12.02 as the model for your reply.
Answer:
1.29
